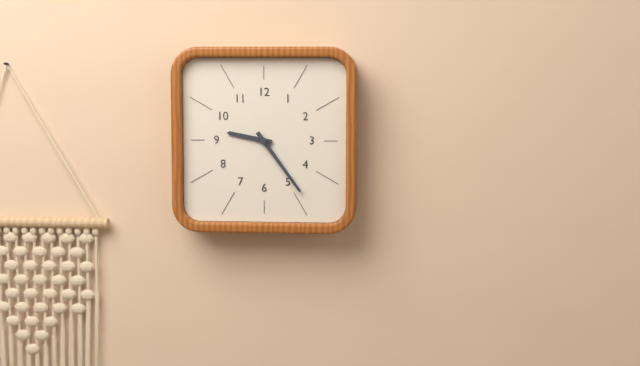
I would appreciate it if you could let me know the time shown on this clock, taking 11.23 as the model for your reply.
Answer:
9.24
